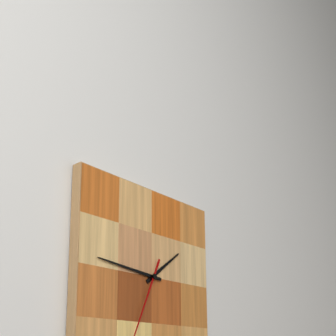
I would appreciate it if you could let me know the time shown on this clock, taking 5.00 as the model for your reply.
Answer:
1.46
